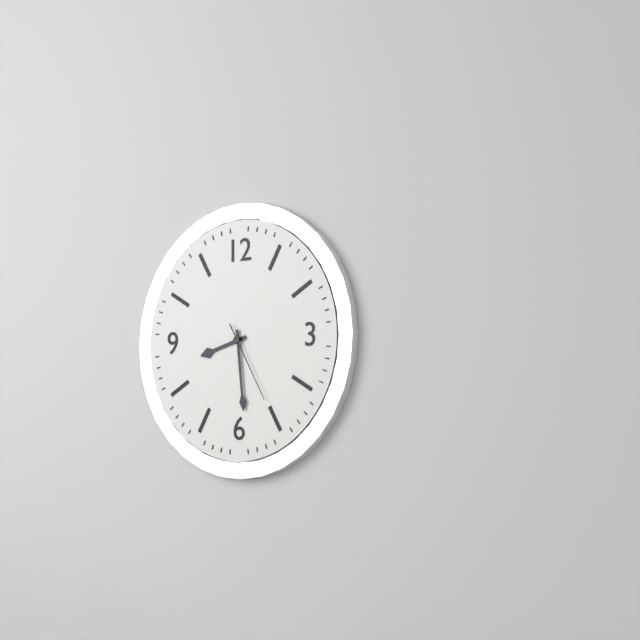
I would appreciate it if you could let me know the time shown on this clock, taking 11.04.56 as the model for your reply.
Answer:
8.29.25
